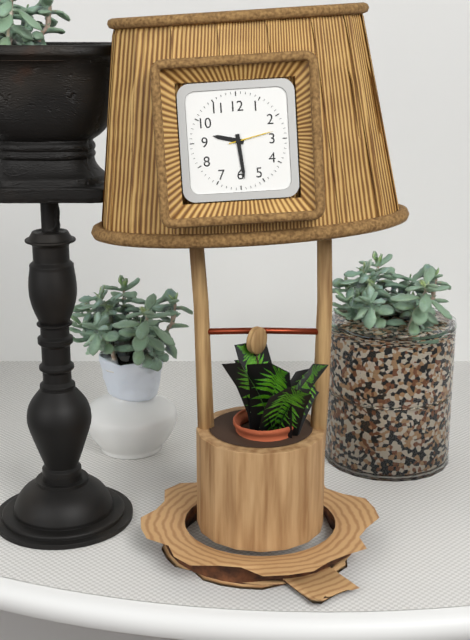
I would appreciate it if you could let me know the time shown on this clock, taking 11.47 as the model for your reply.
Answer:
9.29
